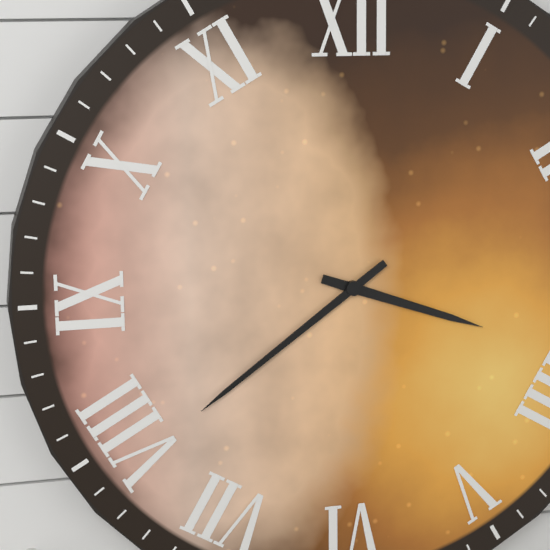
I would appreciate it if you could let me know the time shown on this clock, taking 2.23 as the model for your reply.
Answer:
3.39
